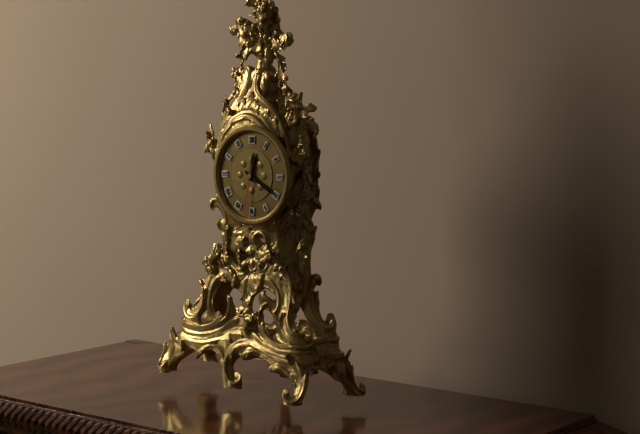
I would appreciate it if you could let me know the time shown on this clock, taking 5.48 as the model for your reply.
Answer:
12.20
